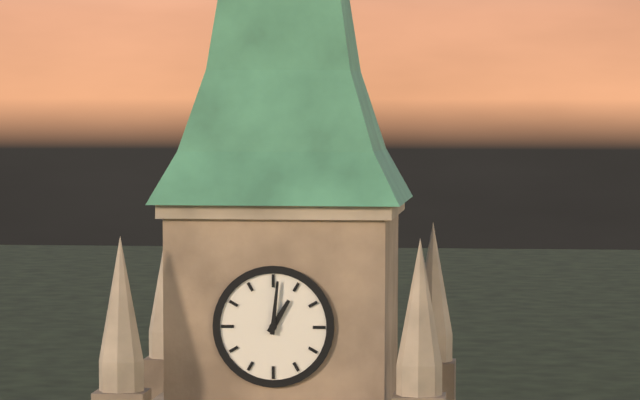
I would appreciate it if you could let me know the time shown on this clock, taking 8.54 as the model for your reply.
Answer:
1.01
